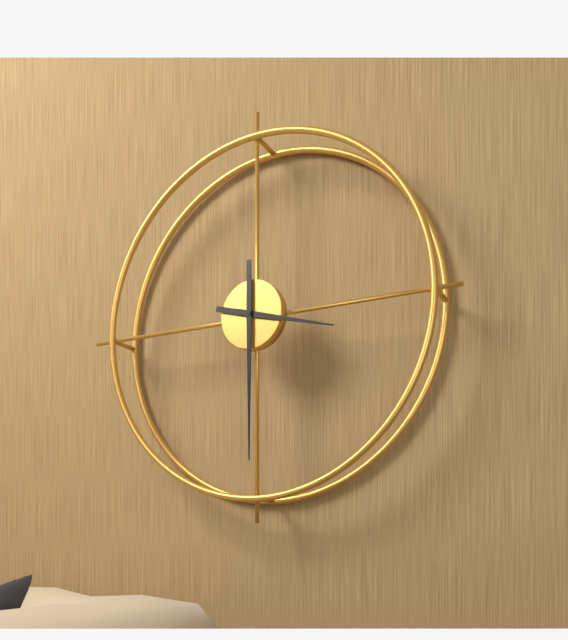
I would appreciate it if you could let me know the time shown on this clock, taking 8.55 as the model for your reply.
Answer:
3.30
